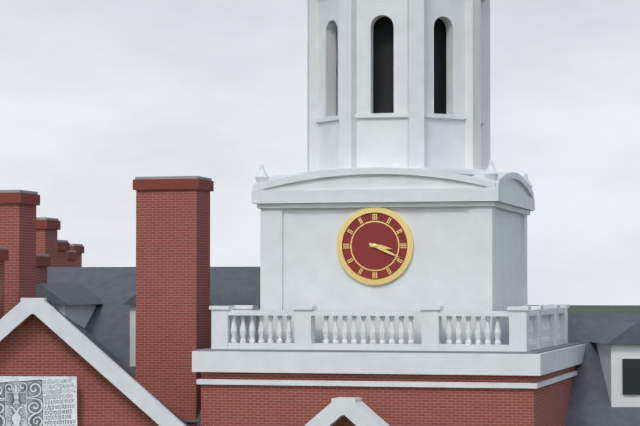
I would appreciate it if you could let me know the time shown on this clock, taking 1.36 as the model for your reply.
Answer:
3.19
